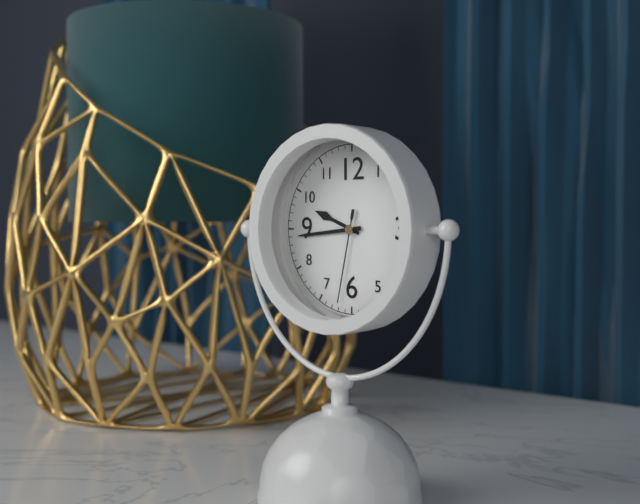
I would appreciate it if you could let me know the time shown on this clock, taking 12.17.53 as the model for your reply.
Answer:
9.44.32
